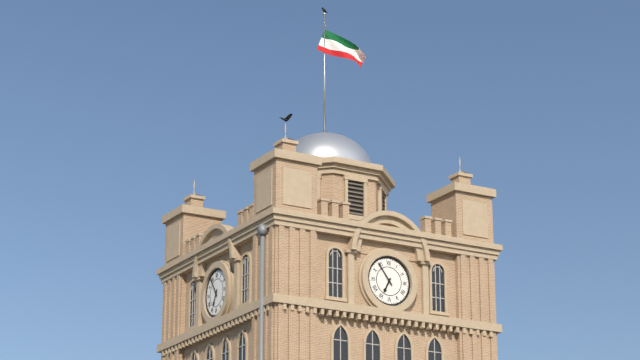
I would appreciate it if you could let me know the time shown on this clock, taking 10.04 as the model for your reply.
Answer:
6.54
